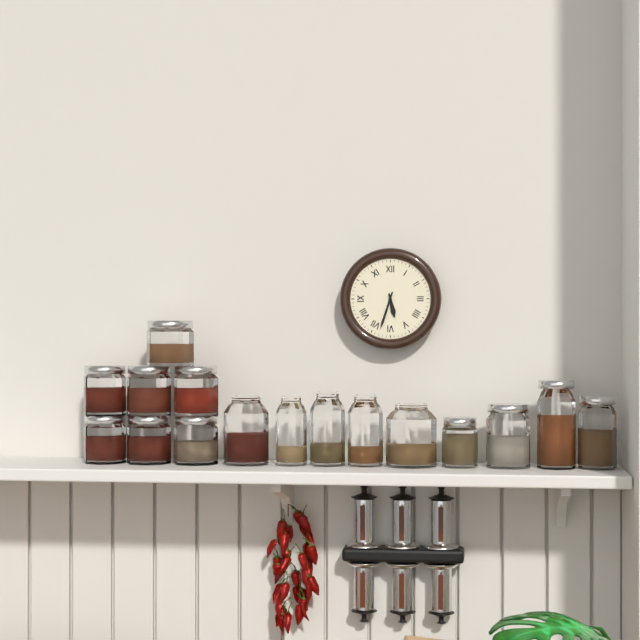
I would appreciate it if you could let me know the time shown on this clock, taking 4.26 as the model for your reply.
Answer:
5.33
